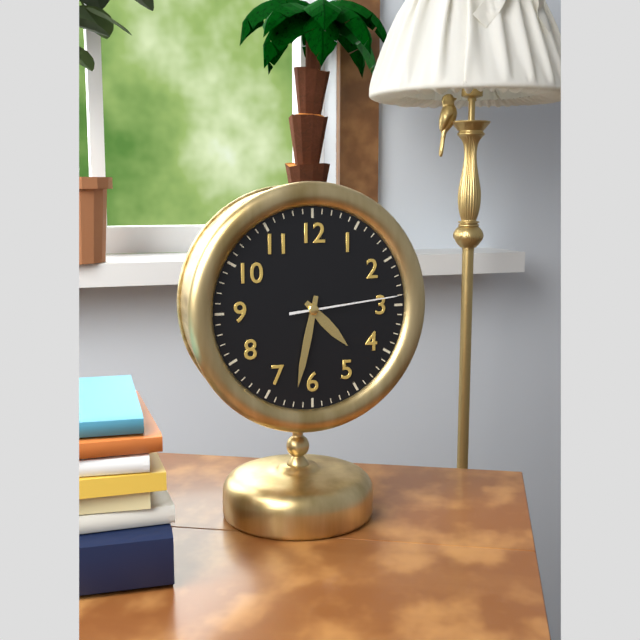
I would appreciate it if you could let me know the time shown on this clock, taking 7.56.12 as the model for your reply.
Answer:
4.32.14
